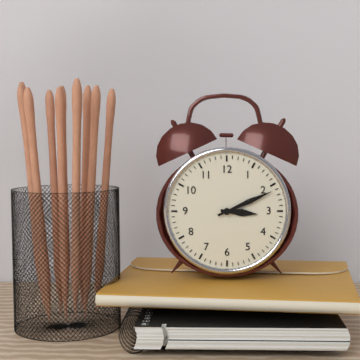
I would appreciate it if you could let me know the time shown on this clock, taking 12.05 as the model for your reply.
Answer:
3.11
